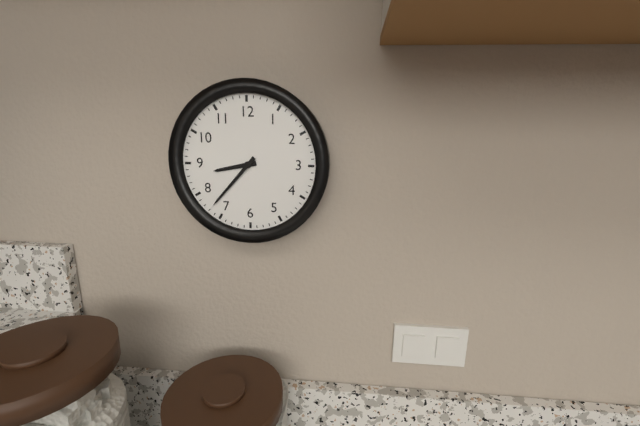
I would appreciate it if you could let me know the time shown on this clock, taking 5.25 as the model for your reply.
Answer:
8.37
